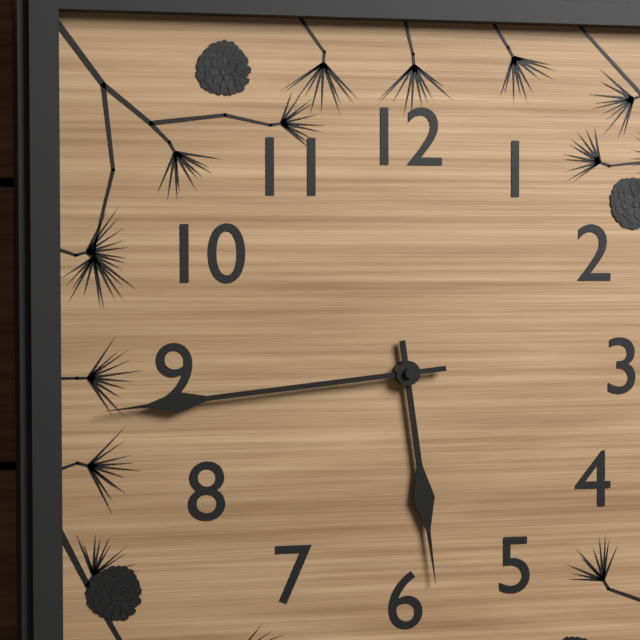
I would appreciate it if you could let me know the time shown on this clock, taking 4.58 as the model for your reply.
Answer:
5.44
